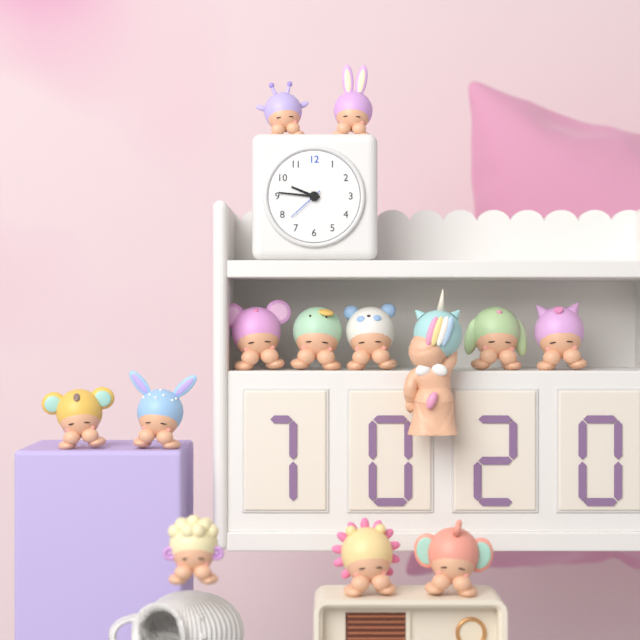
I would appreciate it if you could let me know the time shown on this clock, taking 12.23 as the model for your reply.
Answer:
9.46
